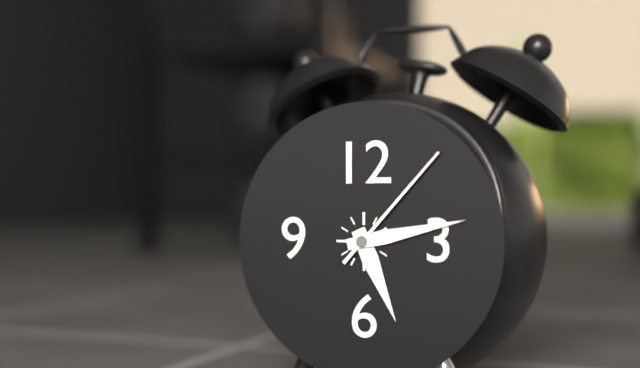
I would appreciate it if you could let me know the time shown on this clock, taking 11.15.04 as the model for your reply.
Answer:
5.13.07
